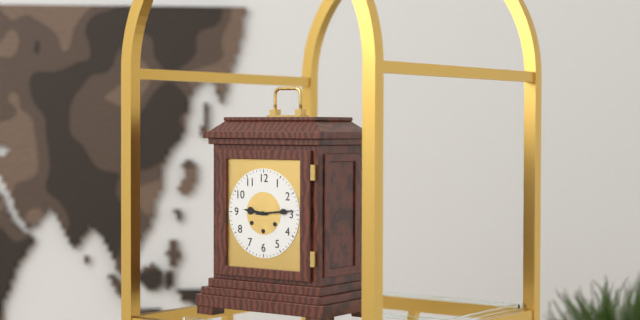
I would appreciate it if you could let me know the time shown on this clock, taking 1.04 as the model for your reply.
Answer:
9.14
